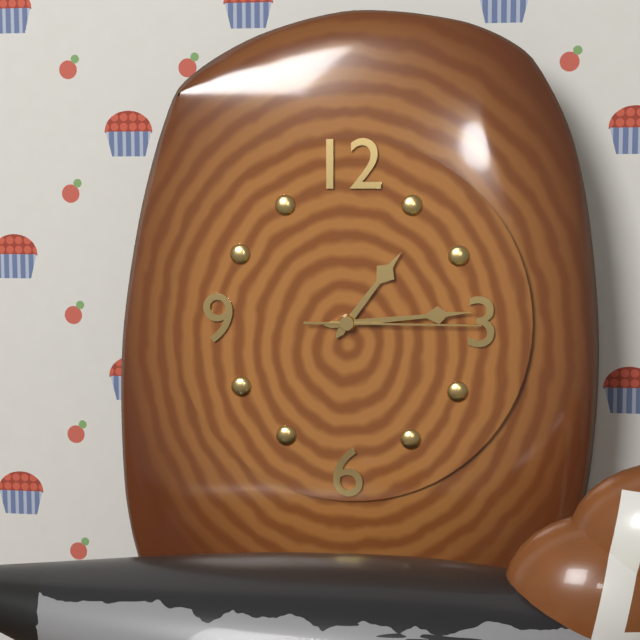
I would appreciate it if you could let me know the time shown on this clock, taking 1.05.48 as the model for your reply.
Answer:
1.14.15
